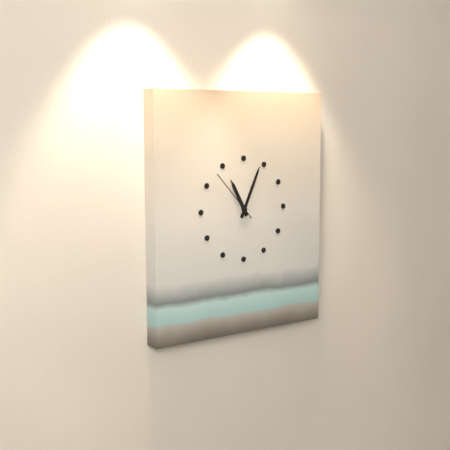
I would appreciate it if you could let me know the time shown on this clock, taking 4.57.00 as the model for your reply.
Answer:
11.04.53
